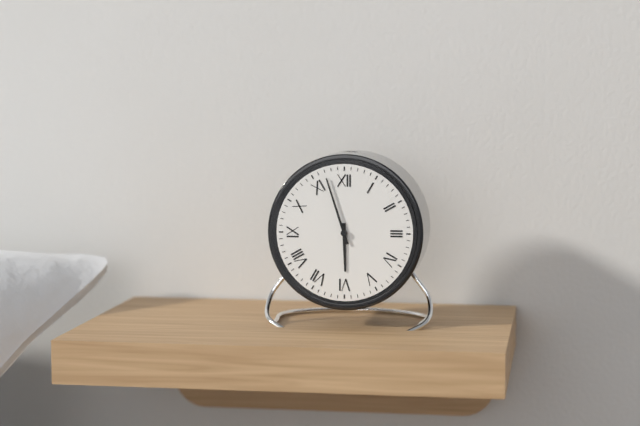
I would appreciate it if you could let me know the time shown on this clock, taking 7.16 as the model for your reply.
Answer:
5.57
